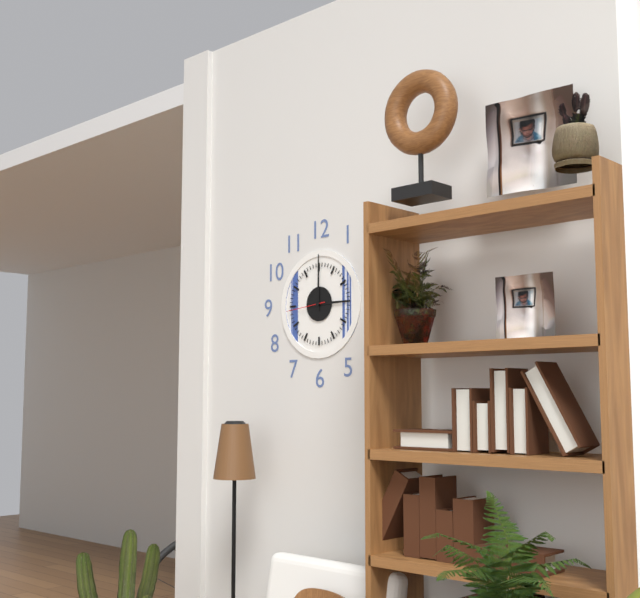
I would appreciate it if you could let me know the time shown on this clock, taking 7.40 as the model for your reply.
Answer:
3.00
